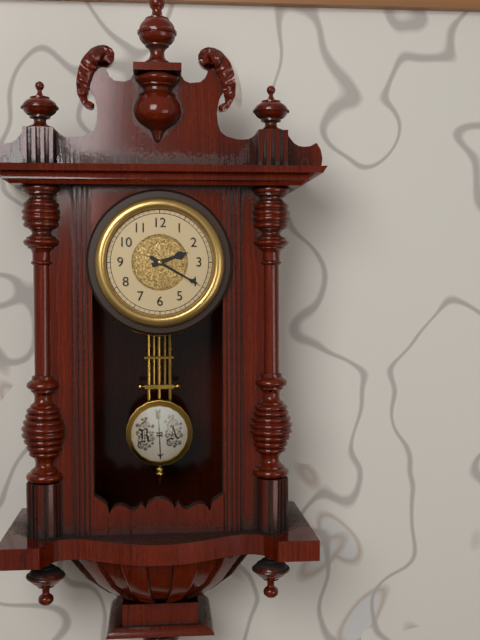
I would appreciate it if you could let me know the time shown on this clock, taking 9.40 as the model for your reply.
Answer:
2.20
